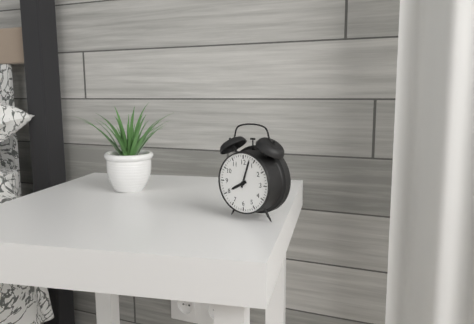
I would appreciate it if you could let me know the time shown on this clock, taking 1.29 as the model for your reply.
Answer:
8.03
